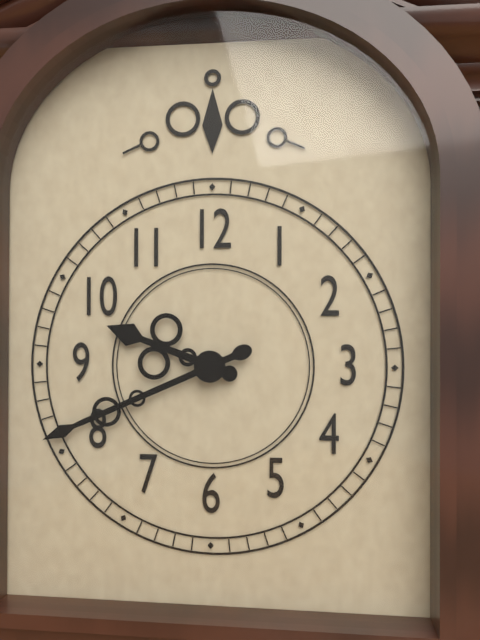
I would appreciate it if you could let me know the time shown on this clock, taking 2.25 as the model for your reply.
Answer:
9.41
